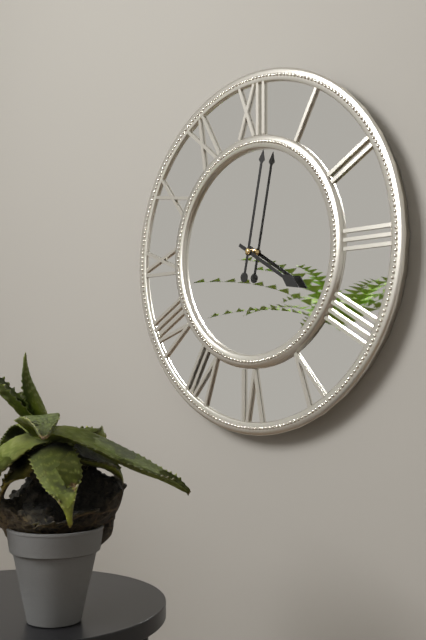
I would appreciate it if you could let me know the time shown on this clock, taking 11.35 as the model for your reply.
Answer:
4.02
